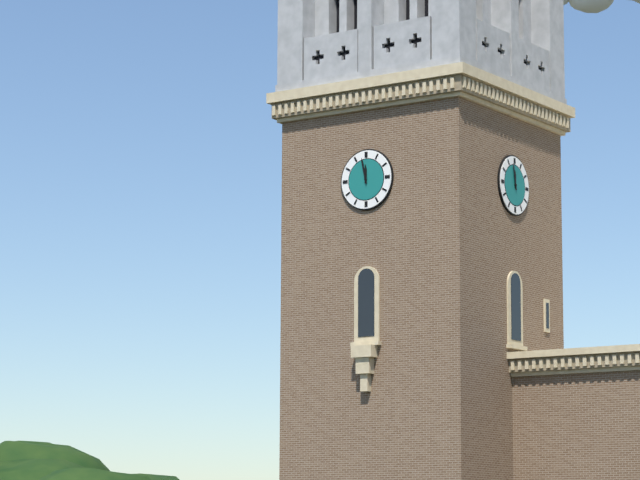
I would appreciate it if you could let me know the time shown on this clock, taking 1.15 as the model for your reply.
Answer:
11.58
